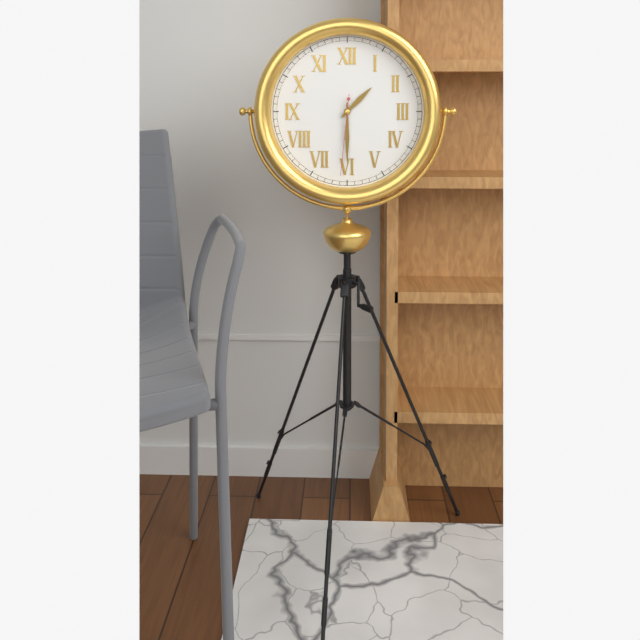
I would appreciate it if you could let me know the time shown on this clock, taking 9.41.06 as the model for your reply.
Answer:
1.30.31
